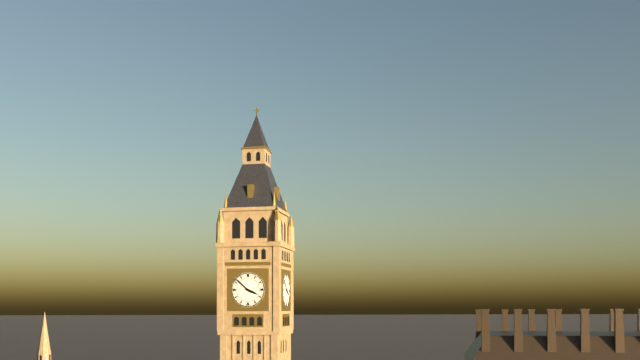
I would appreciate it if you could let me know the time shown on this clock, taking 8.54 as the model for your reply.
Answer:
3.52
